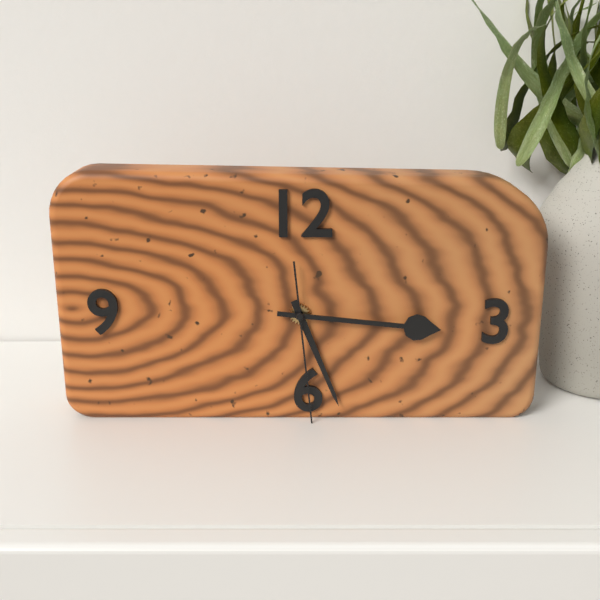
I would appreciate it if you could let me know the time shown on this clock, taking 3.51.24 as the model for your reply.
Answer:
5.16.29
